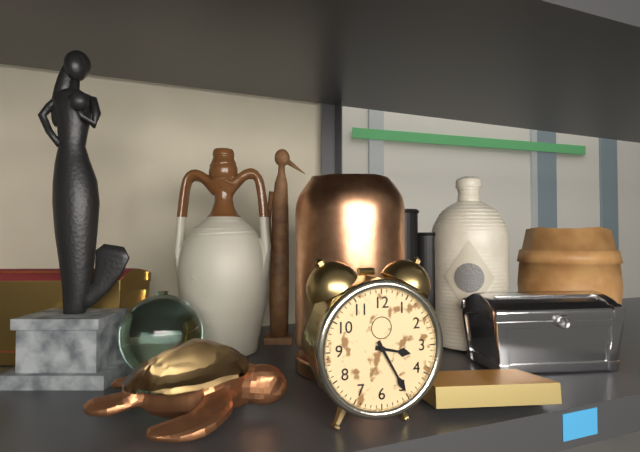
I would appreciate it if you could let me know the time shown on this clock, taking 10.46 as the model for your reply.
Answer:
3.25
